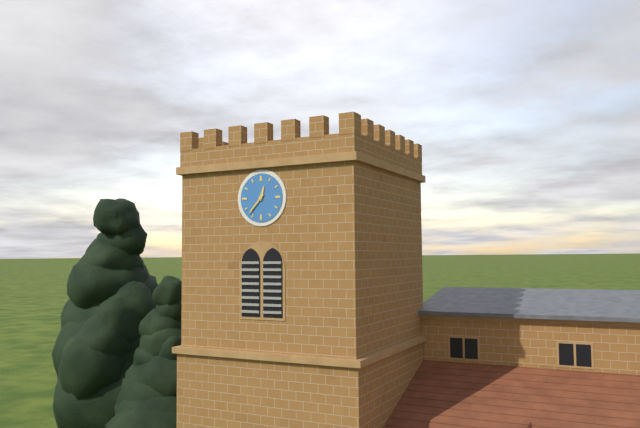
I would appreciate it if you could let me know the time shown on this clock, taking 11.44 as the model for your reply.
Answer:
12.37
